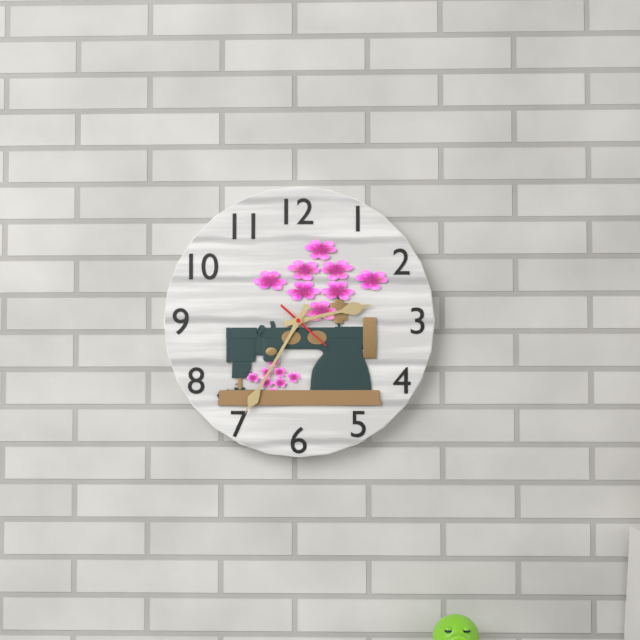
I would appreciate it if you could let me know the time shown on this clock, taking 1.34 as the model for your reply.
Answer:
2.35
